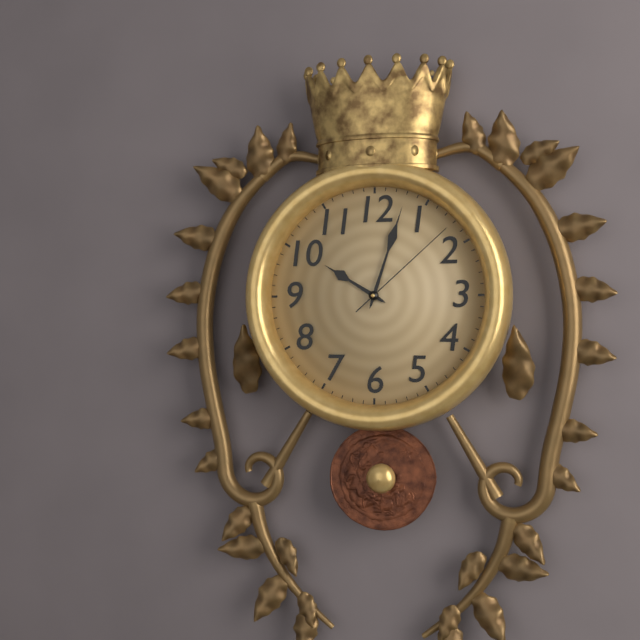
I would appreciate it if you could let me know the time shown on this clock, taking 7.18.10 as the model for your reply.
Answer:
10.03.08
